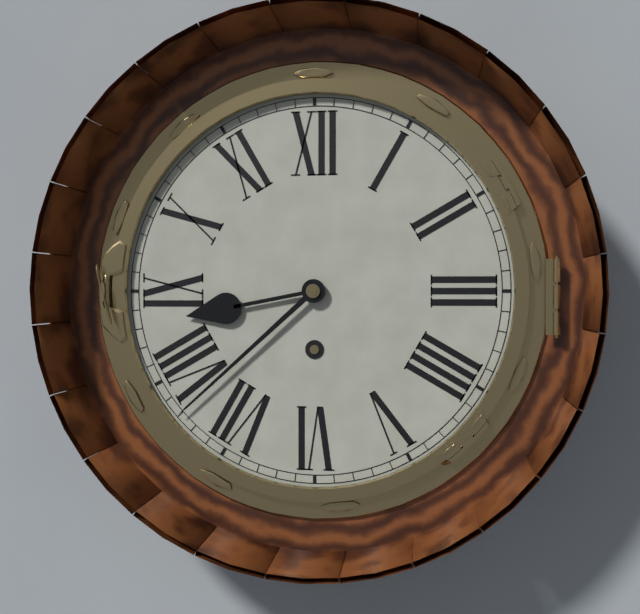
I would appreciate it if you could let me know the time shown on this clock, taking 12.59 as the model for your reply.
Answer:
8.38
